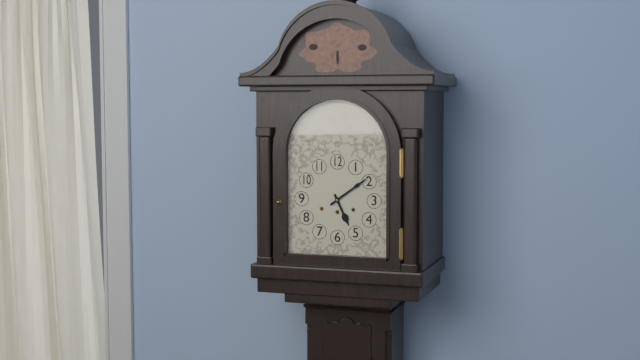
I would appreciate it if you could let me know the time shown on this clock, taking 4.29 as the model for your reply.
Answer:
5.09
